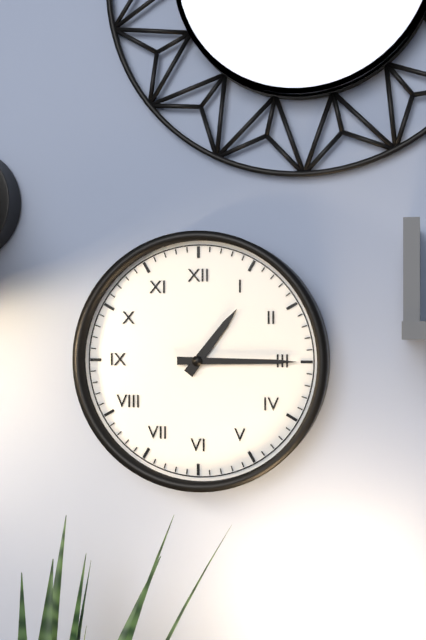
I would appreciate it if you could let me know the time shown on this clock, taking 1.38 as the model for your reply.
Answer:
1.15
